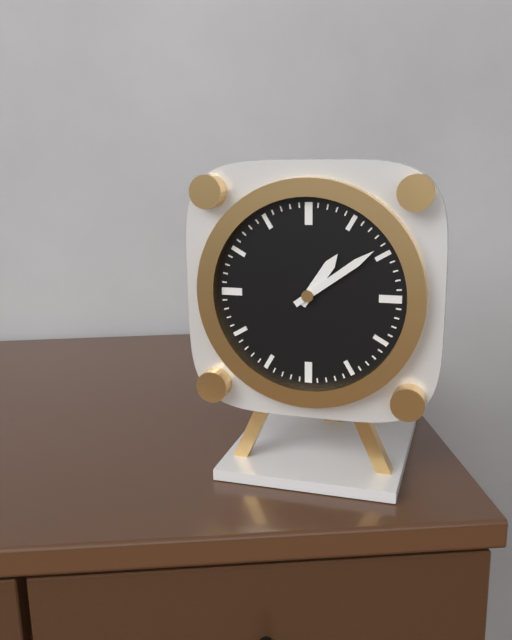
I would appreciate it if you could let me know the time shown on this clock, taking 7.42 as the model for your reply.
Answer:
1.09
